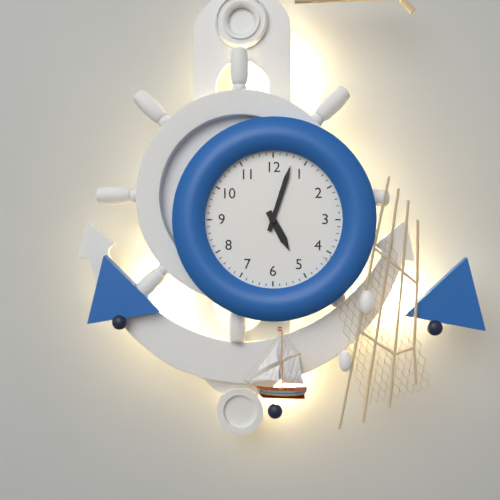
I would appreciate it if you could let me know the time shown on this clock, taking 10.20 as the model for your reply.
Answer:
5.03
